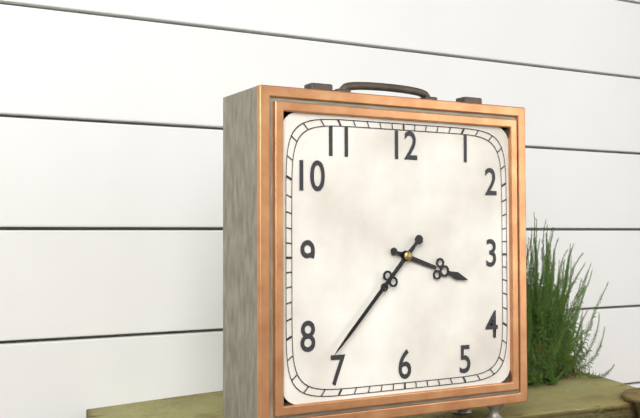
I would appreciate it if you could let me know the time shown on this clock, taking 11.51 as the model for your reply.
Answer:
3.37
